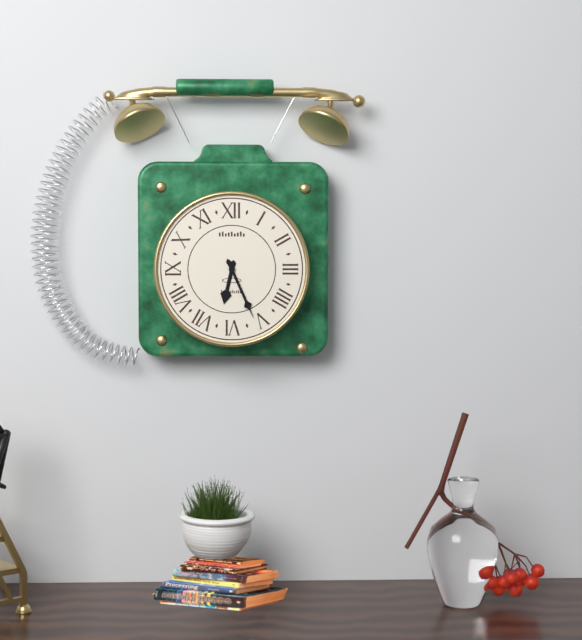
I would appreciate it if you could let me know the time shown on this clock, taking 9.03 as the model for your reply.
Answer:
6.26
